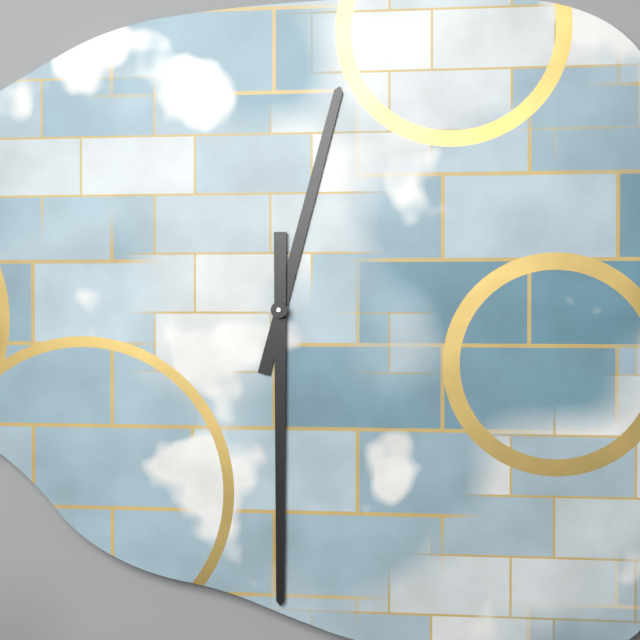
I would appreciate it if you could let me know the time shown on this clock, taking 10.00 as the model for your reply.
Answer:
12.30
